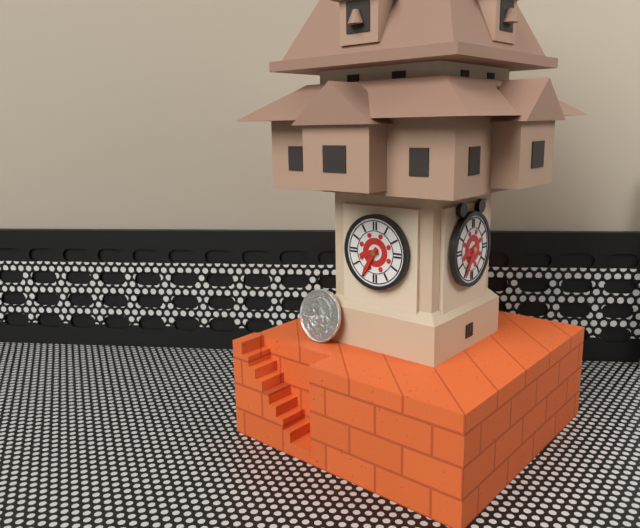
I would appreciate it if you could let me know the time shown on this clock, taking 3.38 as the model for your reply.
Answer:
8.35
